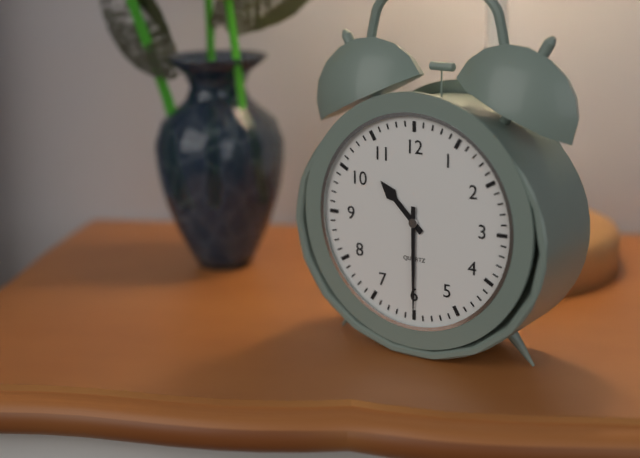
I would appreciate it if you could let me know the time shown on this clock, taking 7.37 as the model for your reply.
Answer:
10.30
